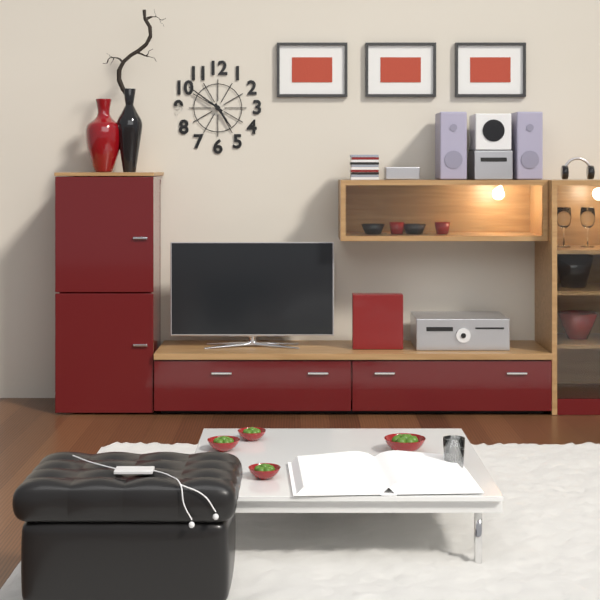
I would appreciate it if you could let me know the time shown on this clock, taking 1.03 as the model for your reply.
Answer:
4.51
